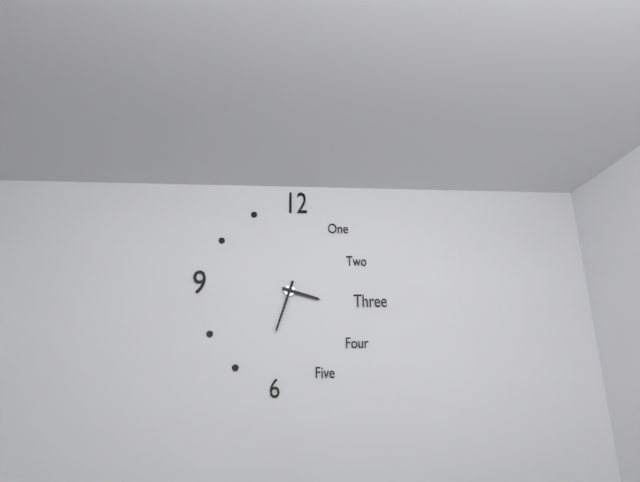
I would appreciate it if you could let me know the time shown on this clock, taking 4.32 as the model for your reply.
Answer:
3.33
